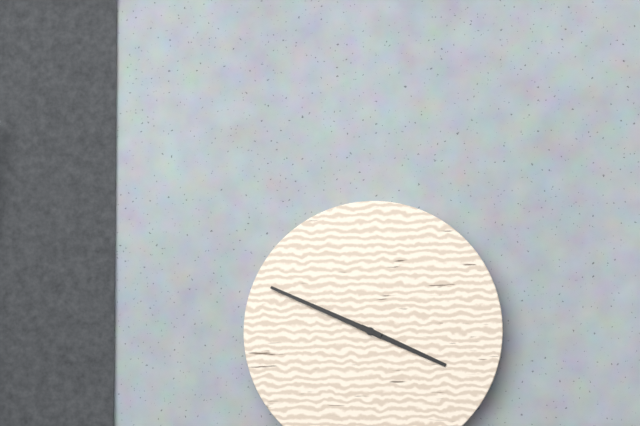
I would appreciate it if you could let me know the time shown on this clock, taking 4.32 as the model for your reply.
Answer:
3.49
